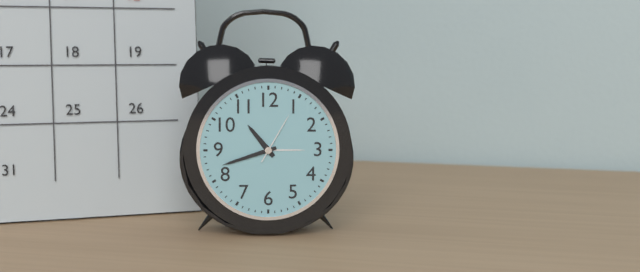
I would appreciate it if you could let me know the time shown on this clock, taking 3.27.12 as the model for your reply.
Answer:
10.42.05
